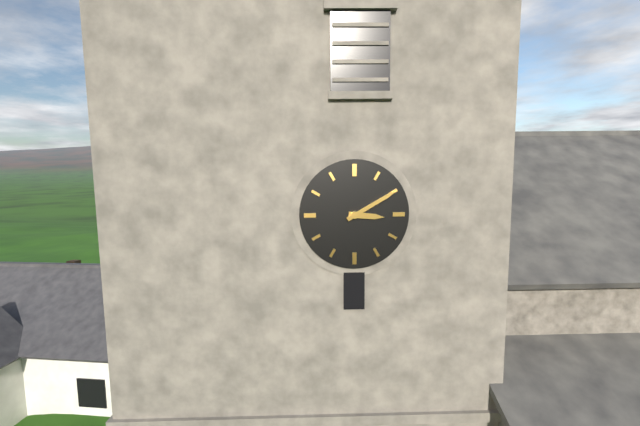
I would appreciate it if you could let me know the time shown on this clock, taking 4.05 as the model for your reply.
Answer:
3.10
